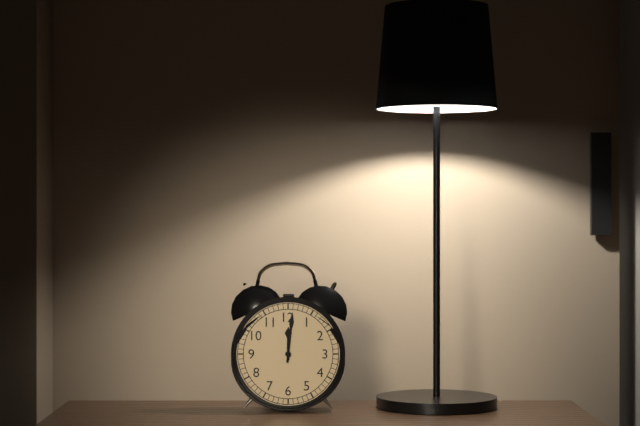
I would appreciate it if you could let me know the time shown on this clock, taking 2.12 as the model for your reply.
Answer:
12.01
